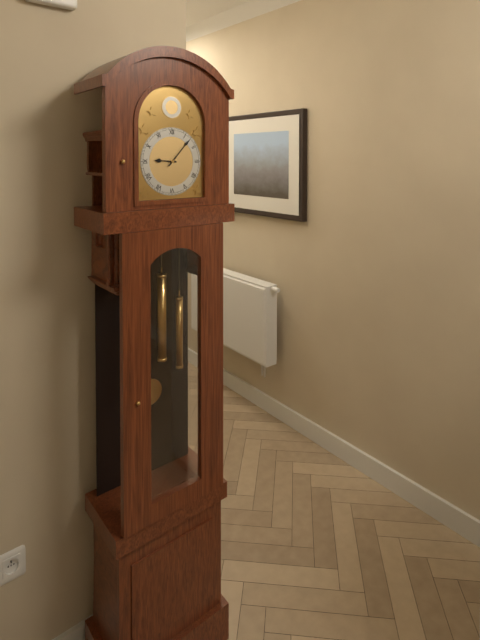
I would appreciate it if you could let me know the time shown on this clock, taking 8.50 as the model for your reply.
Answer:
9.07
